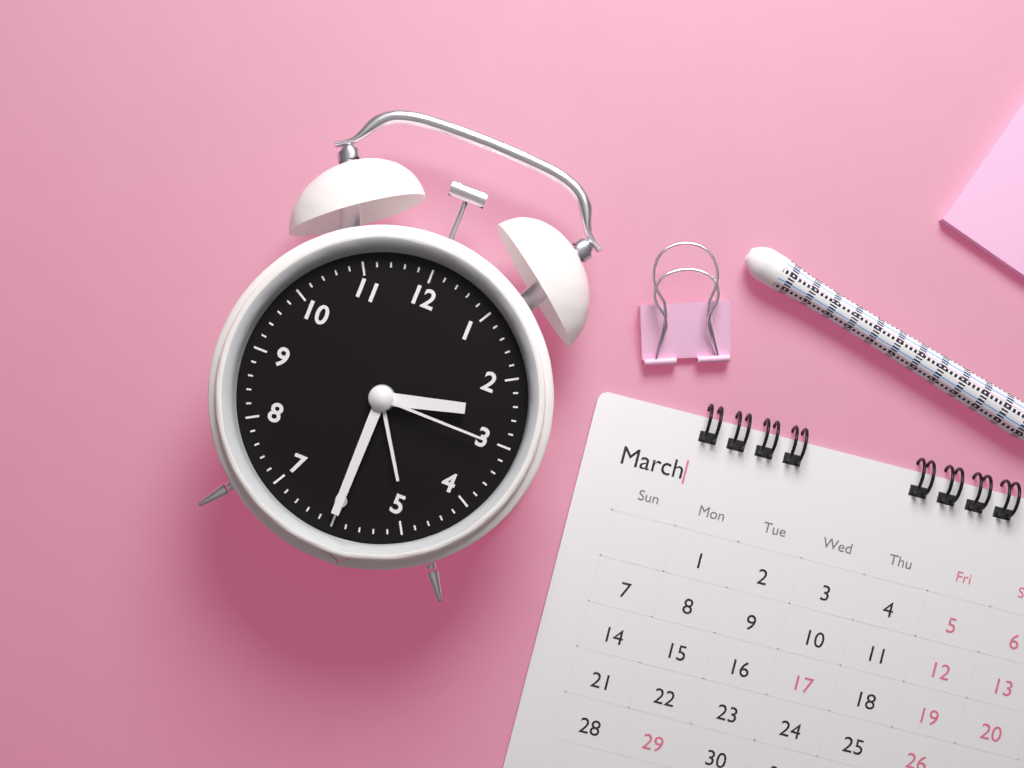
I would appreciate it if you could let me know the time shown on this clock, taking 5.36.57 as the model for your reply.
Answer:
2.30.15
